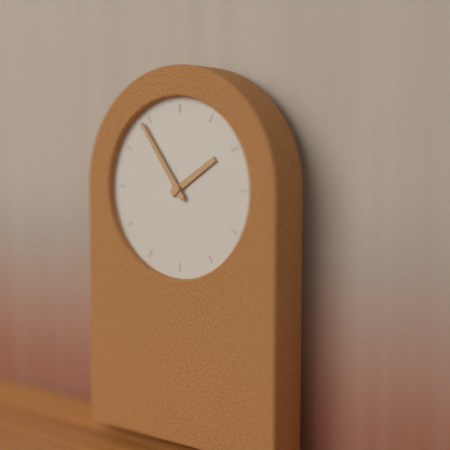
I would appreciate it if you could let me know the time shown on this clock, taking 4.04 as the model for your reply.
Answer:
1.54
